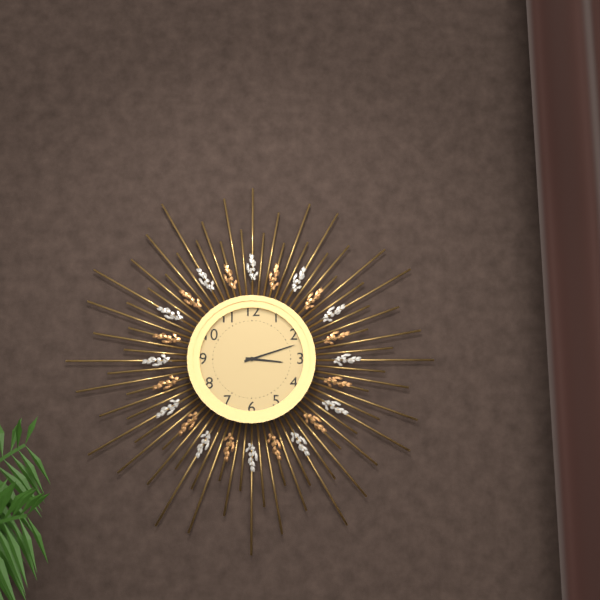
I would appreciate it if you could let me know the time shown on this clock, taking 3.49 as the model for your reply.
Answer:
3.12
